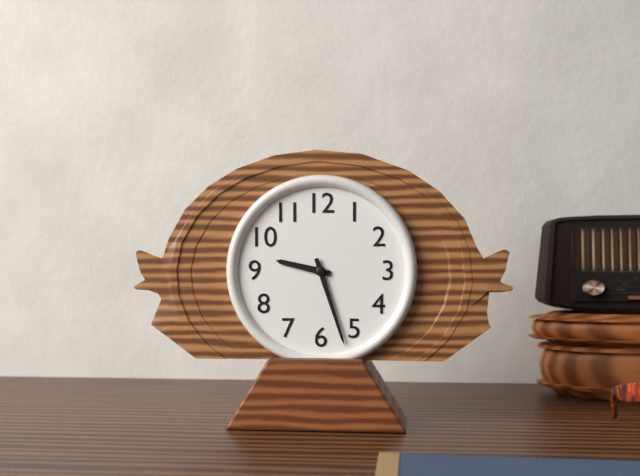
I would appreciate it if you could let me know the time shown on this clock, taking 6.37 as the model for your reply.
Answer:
9.27
